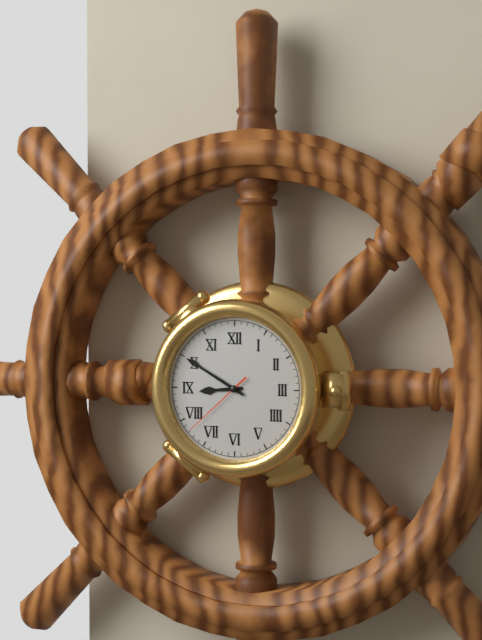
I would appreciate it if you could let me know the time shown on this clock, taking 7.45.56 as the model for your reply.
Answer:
8.50.38
